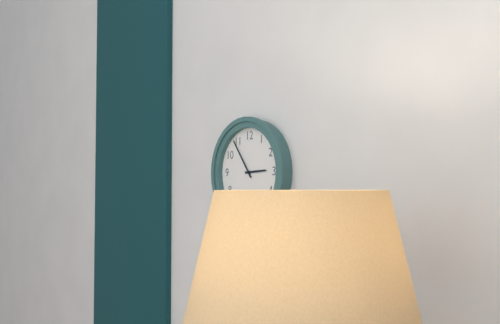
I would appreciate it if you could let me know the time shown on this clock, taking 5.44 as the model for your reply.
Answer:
2.54
